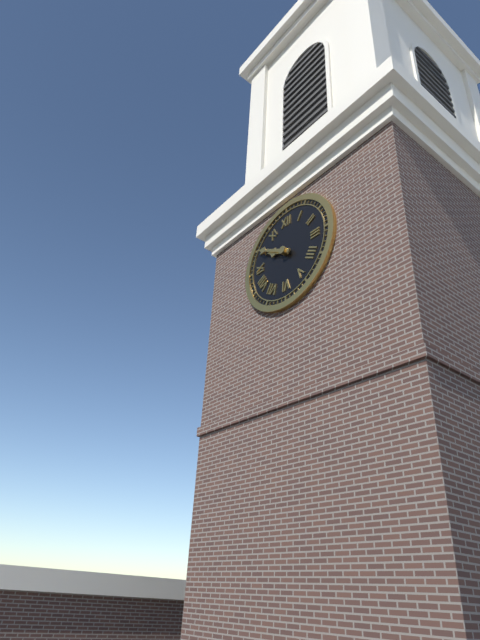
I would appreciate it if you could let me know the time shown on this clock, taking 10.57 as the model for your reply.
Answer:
9.50
